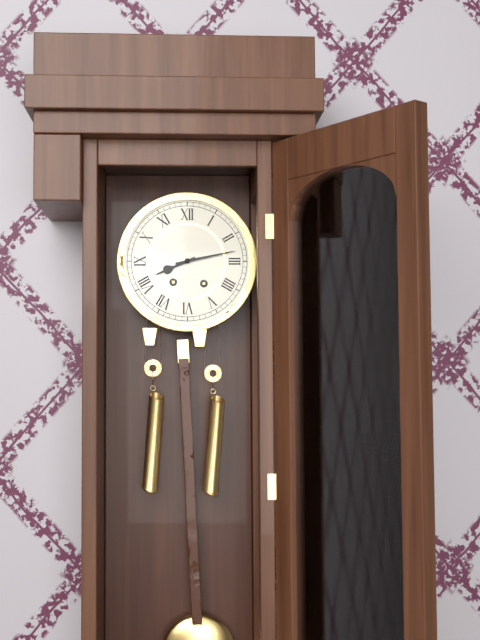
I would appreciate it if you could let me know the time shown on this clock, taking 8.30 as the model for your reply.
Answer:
8.13
